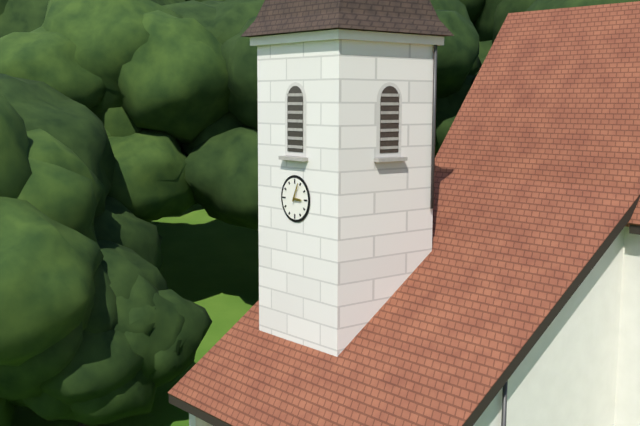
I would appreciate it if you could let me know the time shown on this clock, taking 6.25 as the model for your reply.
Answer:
3.04
